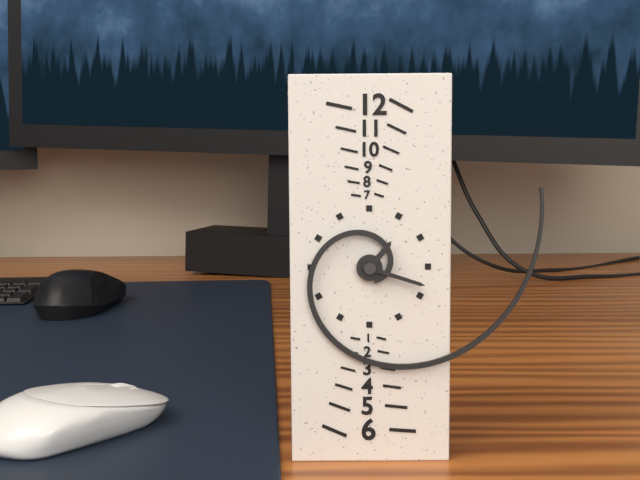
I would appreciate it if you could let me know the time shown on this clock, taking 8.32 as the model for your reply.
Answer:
1.18
